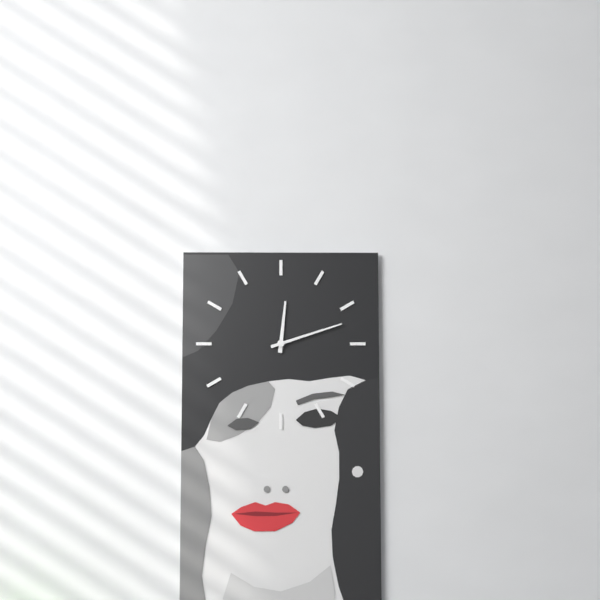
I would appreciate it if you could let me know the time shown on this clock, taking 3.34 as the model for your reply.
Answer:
12.12
